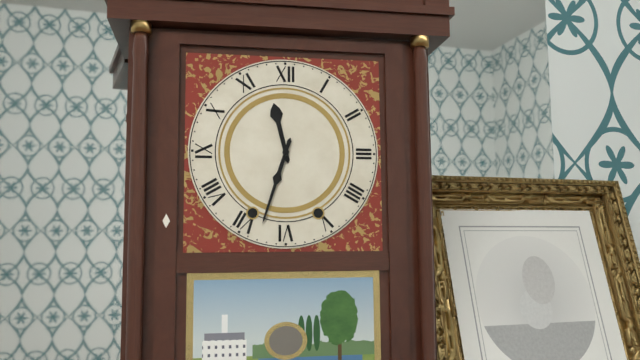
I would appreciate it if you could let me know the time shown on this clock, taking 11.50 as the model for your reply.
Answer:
11.33
